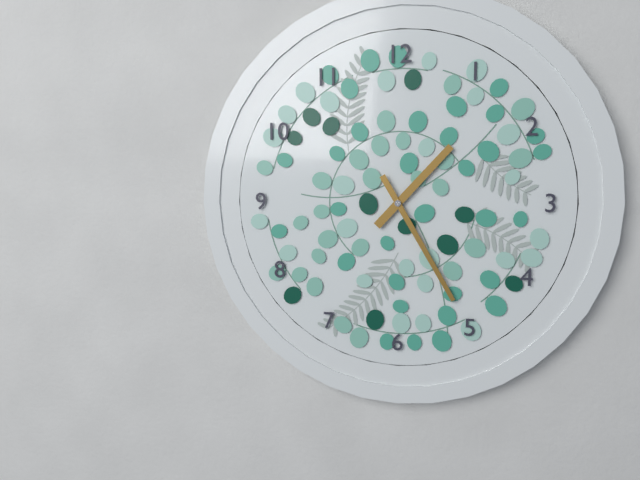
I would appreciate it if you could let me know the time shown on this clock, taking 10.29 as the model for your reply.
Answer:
1.25
